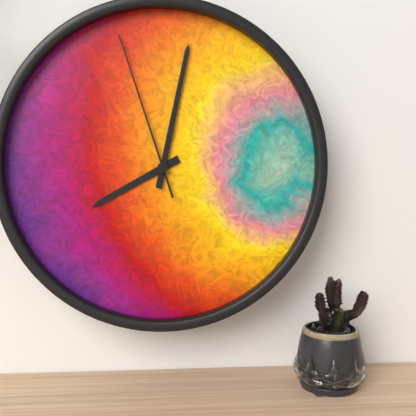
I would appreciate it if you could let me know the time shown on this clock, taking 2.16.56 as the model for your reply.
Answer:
8.02.57
